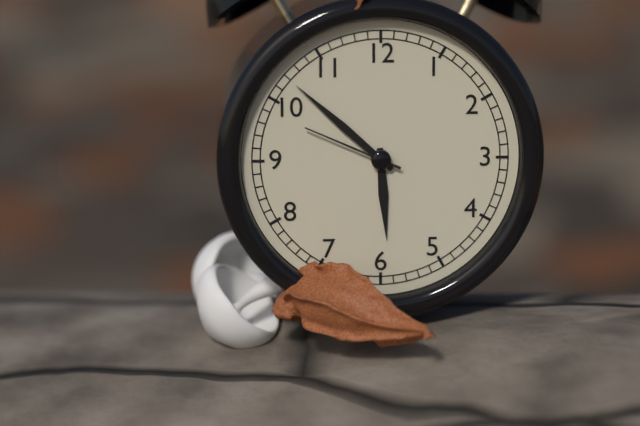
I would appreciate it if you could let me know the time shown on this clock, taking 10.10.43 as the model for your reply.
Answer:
5.52.49
